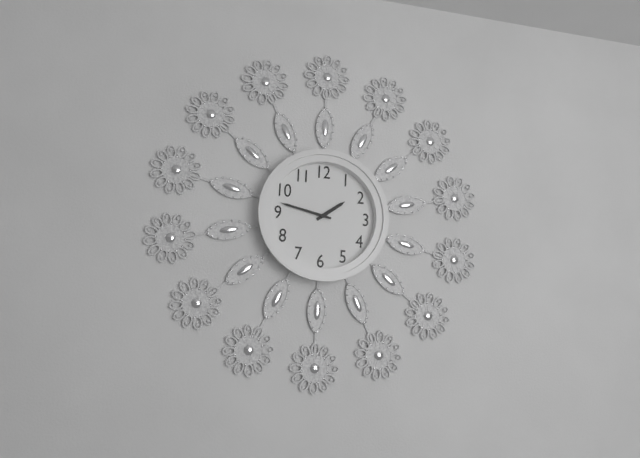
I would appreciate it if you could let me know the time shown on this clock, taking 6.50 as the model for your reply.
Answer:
1.47
